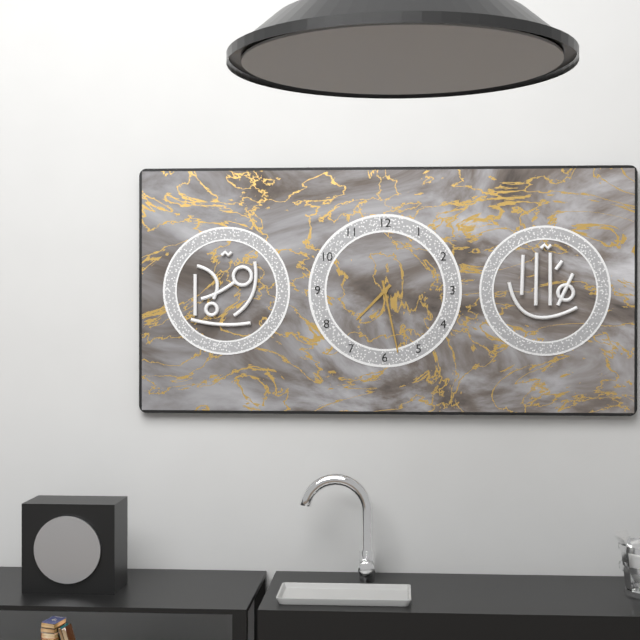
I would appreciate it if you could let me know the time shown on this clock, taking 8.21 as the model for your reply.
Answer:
7.28
